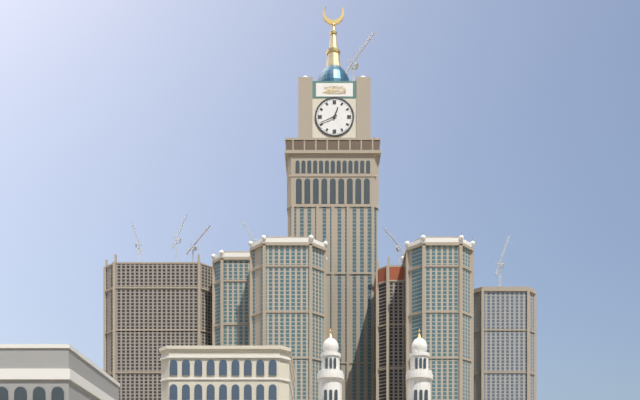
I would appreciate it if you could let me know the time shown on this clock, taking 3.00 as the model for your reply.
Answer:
12.41
